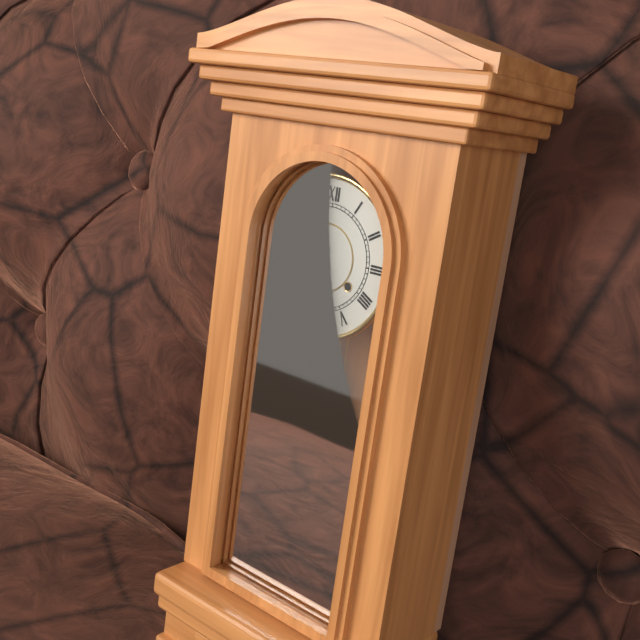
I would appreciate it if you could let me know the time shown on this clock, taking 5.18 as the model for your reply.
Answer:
11.32
